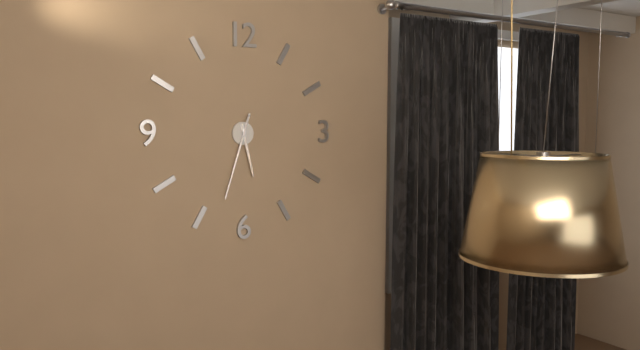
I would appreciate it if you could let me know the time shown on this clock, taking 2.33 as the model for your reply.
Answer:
5.33
